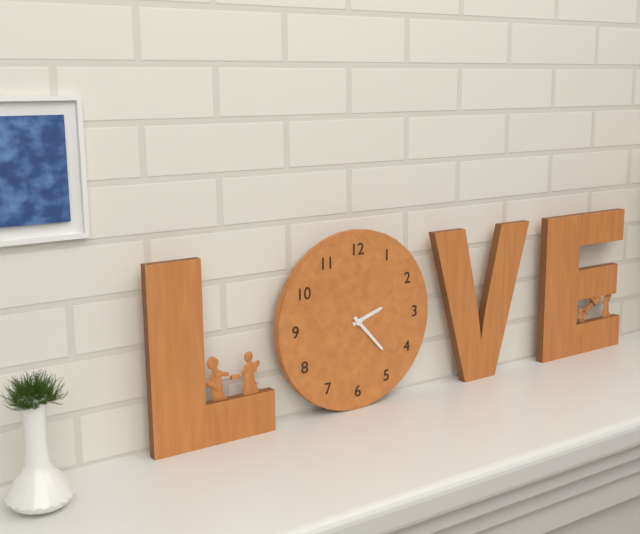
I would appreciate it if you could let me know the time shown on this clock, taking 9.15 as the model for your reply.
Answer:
2.23
